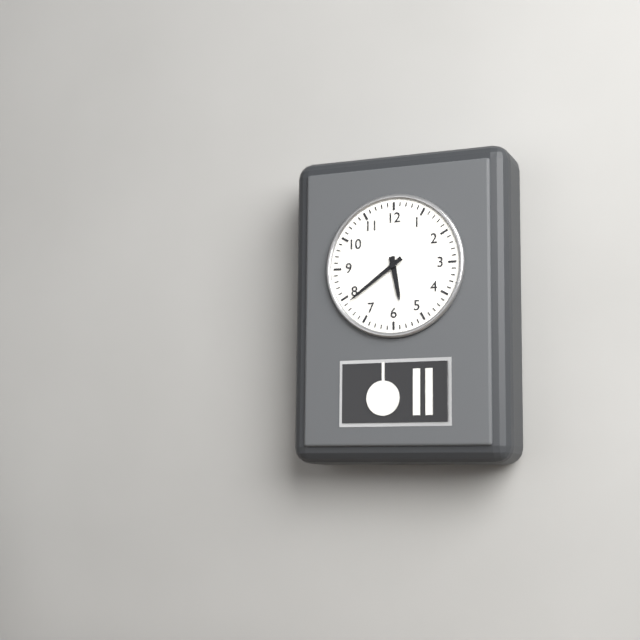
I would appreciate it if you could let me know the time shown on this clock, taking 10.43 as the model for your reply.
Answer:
5.39
